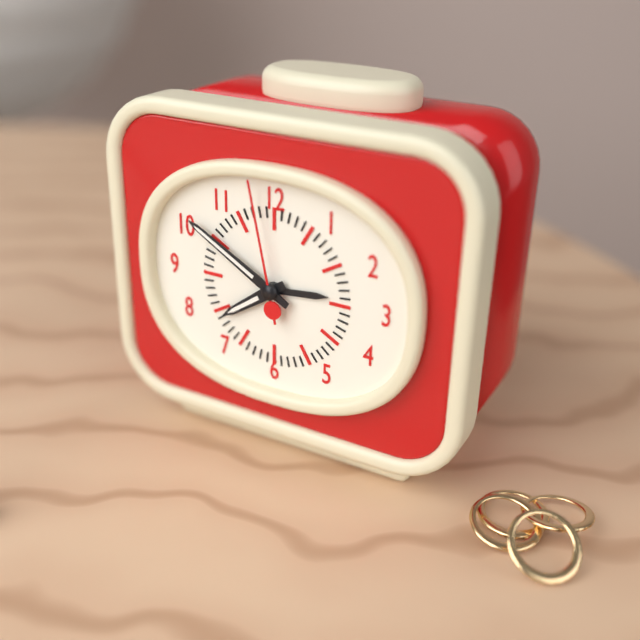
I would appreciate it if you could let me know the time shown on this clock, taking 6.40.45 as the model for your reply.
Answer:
7.50.58
